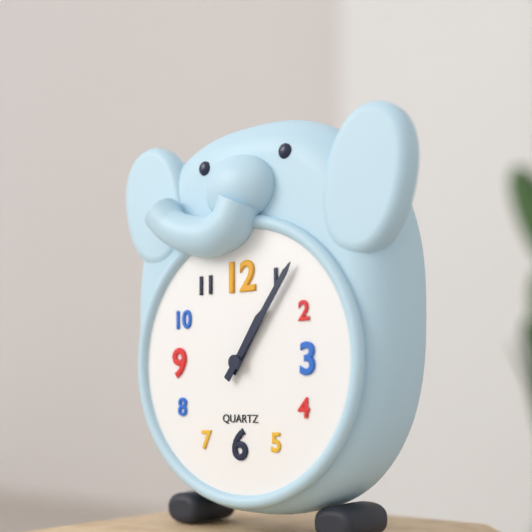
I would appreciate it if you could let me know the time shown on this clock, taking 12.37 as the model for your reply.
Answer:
1.06
